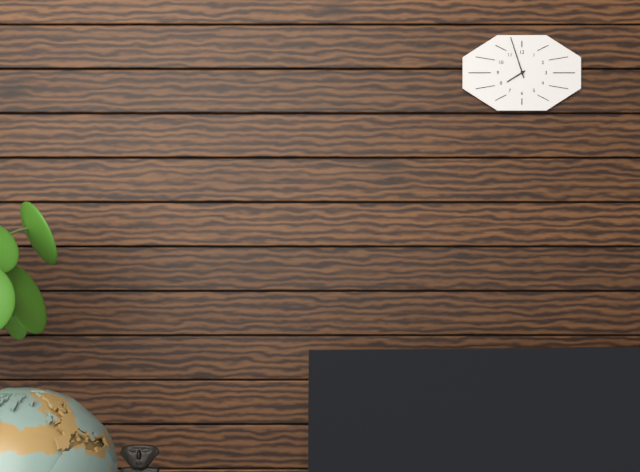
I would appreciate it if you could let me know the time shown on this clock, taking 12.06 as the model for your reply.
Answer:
7.57
